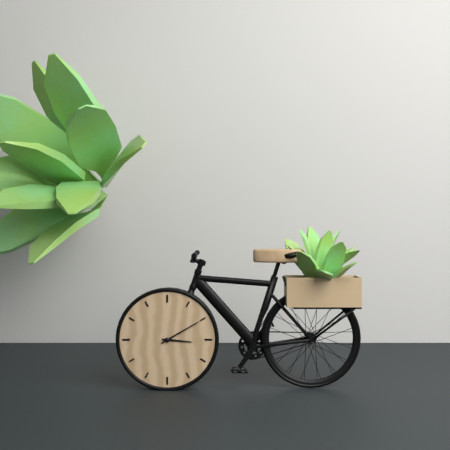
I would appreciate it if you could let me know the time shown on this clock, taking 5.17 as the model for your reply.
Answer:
3.10
